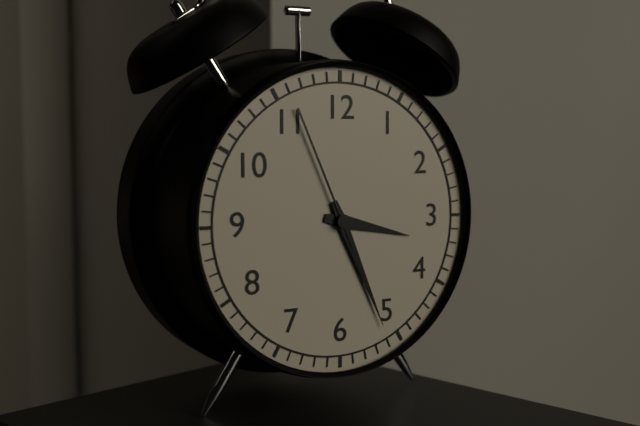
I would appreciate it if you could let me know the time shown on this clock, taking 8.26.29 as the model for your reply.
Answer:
3.26.56
